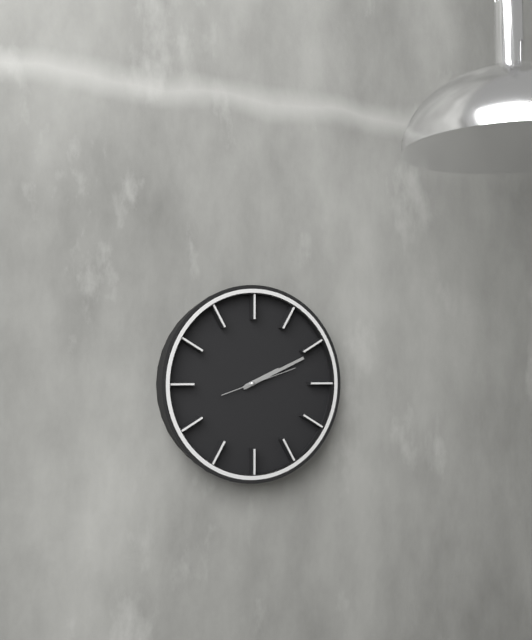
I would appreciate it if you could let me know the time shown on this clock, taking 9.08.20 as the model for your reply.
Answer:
2.11.12
